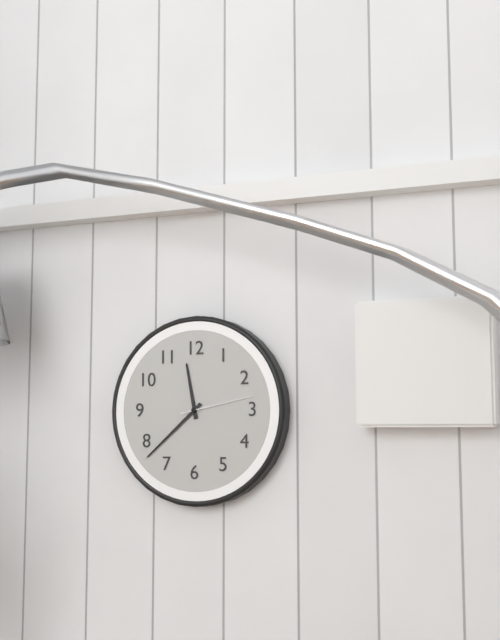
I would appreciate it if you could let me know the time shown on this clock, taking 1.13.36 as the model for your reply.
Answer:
11.38.13
